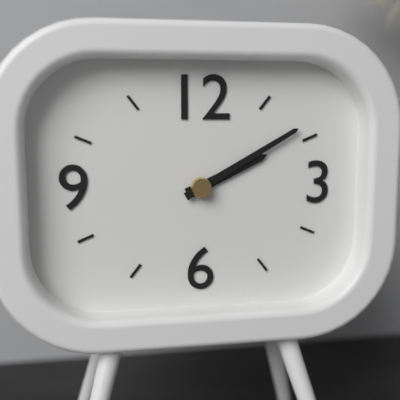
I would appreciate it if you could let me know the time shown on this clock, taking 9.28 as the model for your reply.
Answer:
2.10
